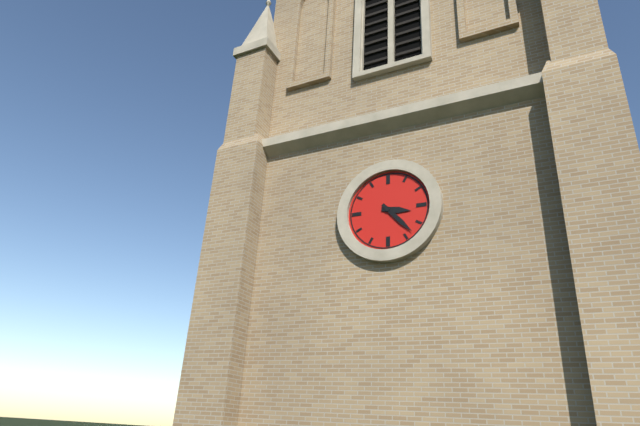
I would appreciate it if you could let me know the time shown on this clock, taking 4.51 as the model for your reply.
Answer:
3.23
